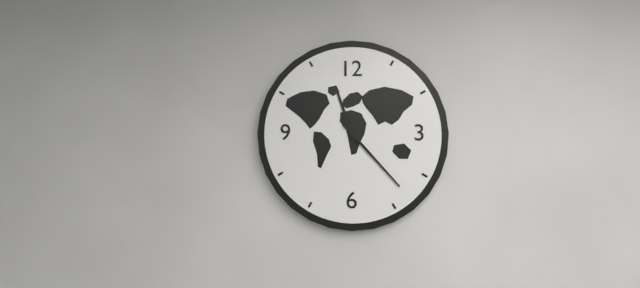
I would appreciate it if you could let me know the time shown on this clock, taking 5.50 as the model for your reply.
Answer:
11.23
